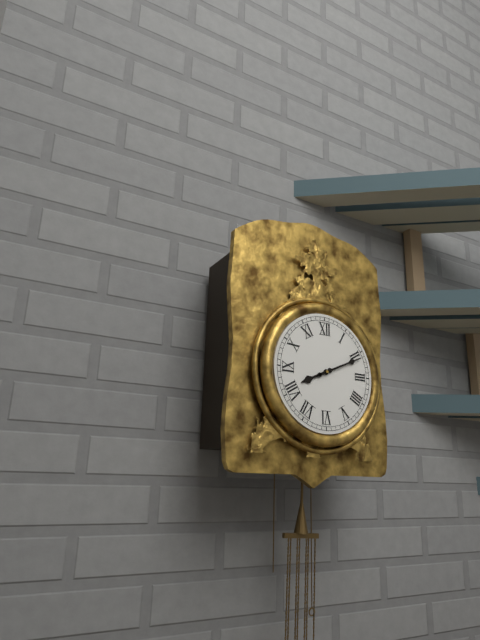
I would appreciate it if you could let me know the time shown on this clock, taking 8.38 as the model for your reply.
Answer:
8.11
